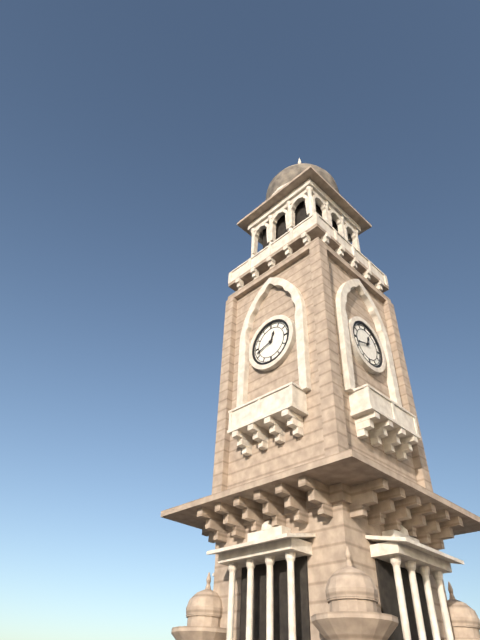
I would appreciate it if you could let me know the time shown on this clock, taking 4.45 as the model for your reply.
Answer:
12.42
